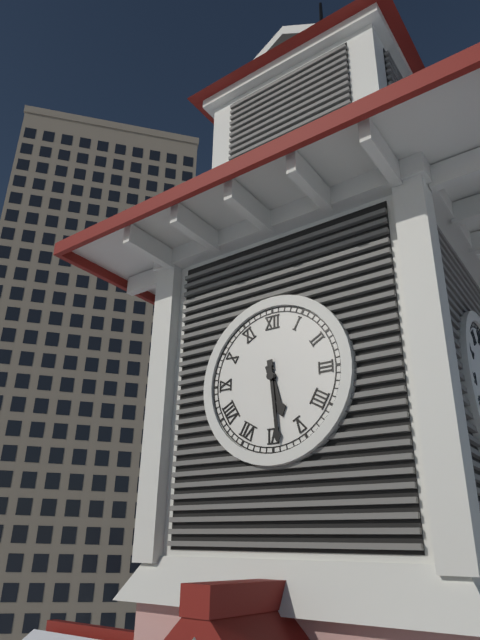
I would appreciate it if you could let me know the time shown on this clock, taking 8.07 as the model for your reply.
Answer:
5.29
